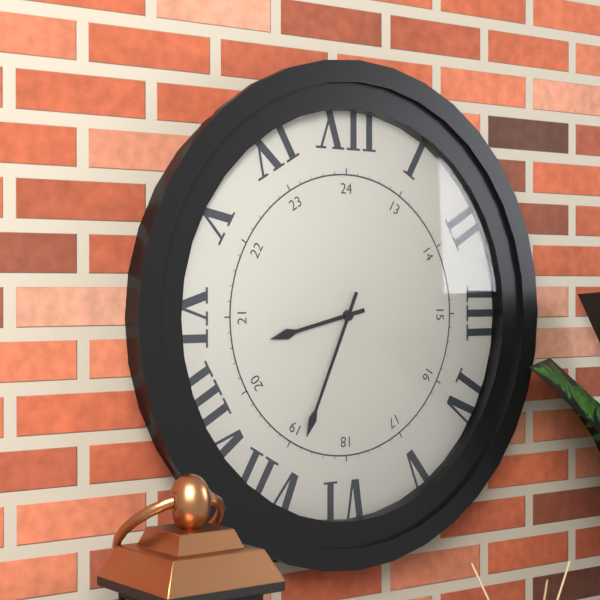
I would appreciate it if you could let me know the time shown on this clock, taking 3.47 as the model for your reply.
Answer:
8.34
